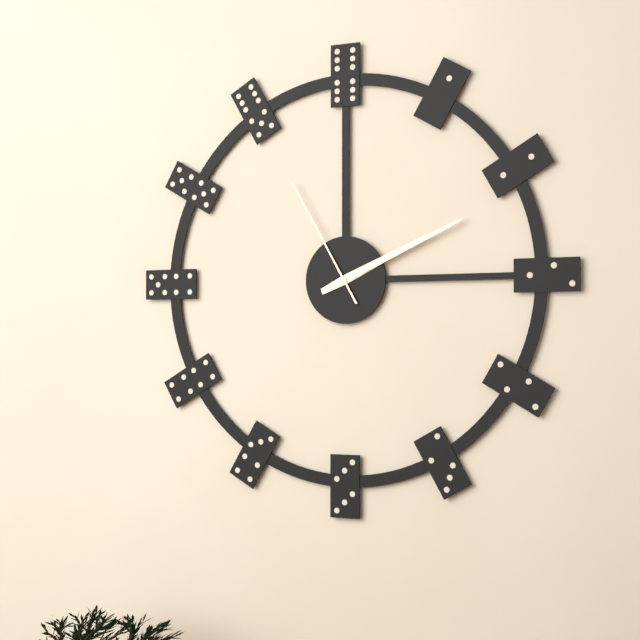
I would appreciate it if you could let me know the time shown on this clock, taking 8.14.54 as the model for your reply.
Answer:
2.11.55
